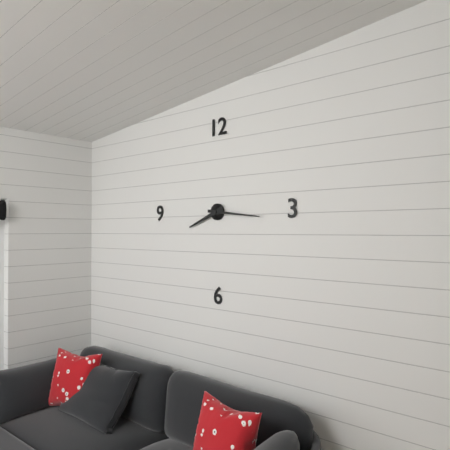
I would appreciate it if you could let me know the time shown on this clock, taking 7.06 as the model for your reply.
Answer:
8.16
